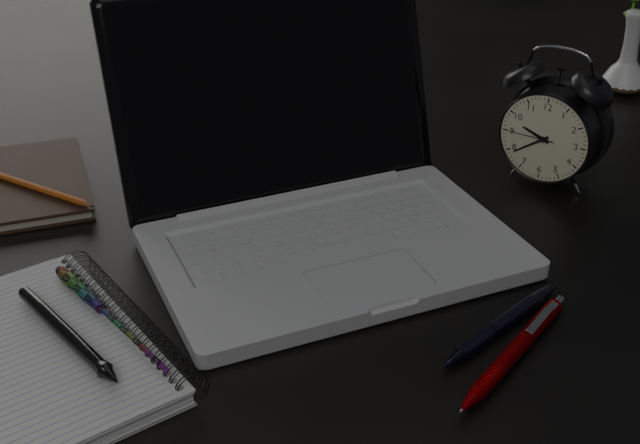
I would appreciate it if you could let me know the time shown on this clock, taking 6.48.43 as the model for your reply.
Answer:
9.39.45
